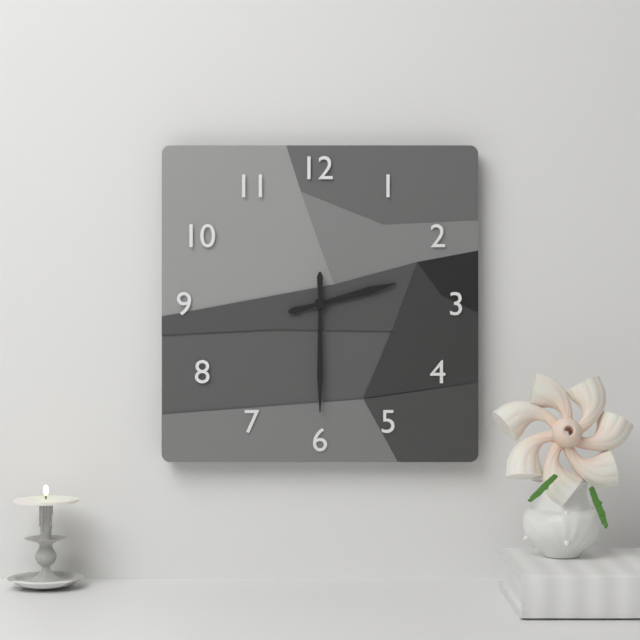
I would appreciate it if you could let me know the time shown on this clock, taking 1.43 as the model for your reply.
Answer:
2.30
